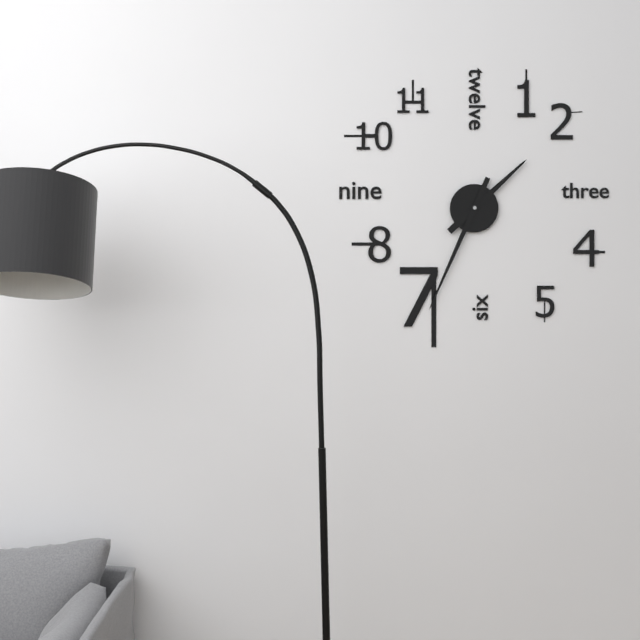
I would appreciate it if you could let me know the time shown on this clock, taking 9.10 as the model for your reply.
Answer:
1.34
